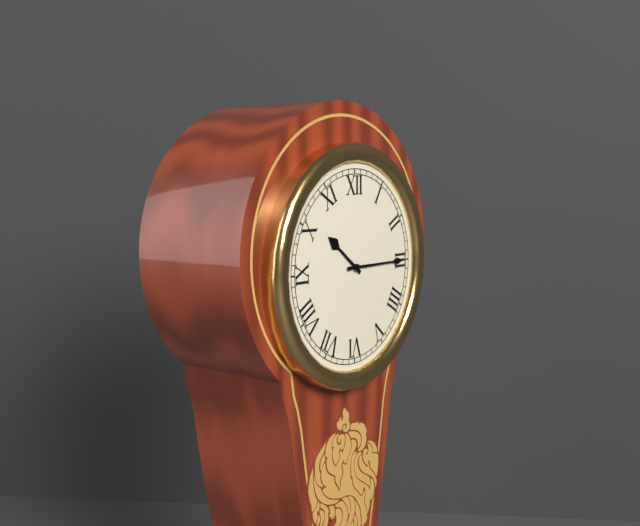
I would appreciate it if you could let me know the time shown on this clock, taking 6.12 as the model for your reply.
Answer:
10.15
